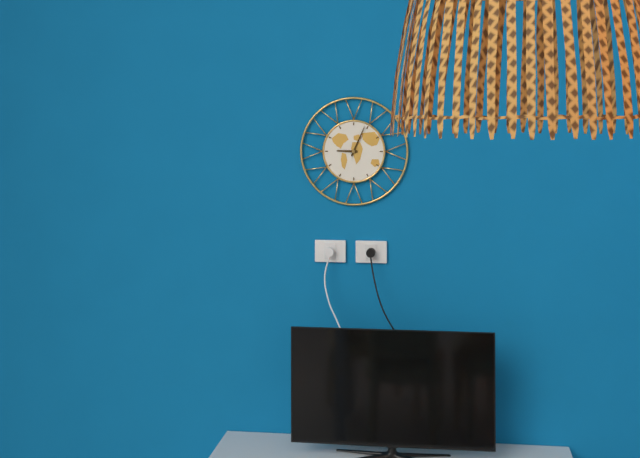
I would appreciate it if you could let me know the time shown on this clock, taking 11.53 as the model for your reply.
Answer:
9.04
